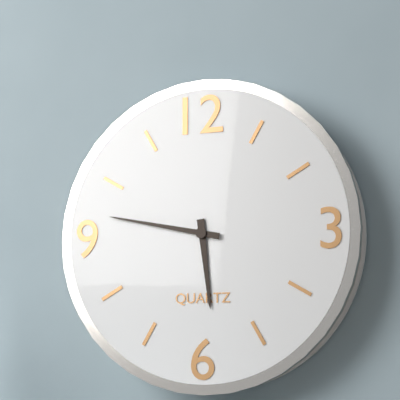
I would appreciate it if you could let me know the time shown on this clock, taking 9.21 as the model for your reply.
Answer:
5.47
